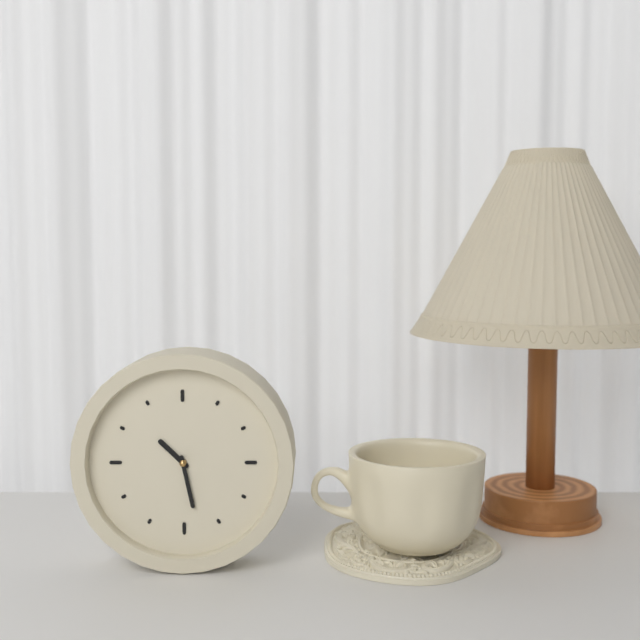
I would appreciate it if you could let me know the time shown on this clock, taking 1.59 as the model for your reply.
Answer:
10.28
